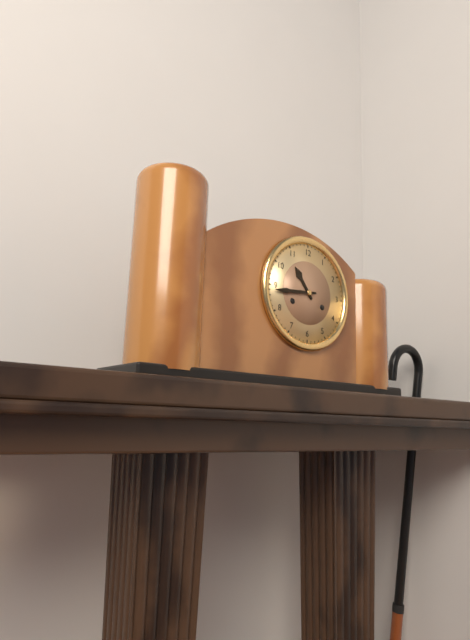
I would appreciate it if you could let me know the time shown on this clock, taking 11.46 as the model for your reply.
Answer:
10.44
